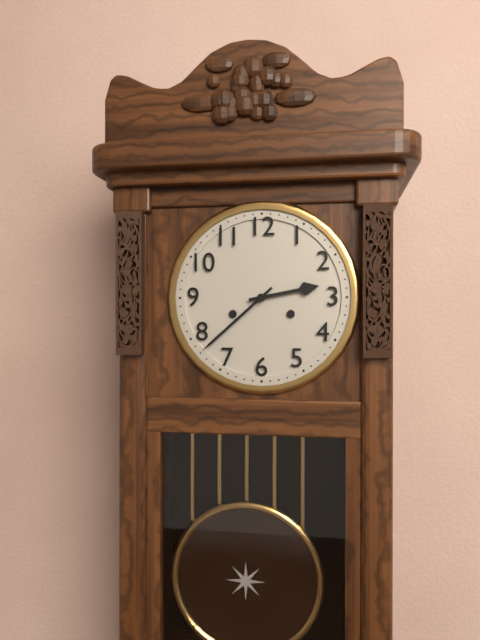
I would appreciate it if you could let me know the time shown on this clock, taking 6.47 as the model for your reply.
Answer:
2.38
